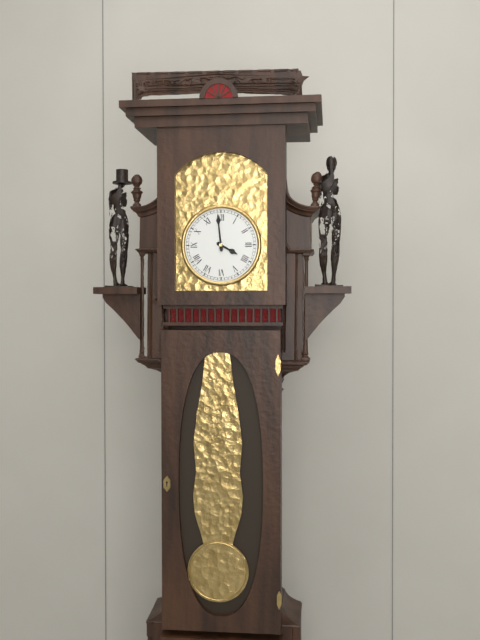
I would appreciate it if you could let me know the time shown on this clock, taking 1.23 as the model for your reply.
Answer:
3.59
